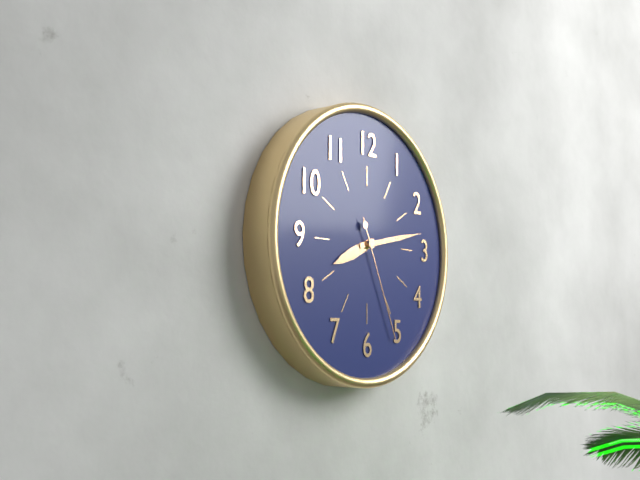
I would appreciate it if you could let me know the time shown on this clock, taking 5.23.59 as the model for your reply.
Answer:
8.13.26
